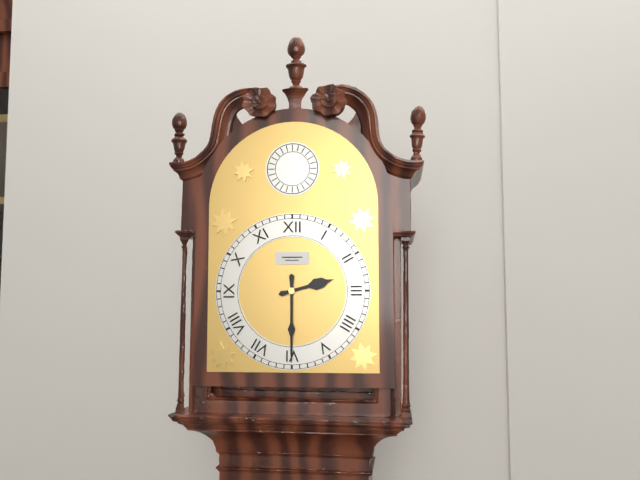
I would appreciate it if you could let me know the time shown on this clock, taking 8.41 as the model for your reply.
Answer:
2.30
